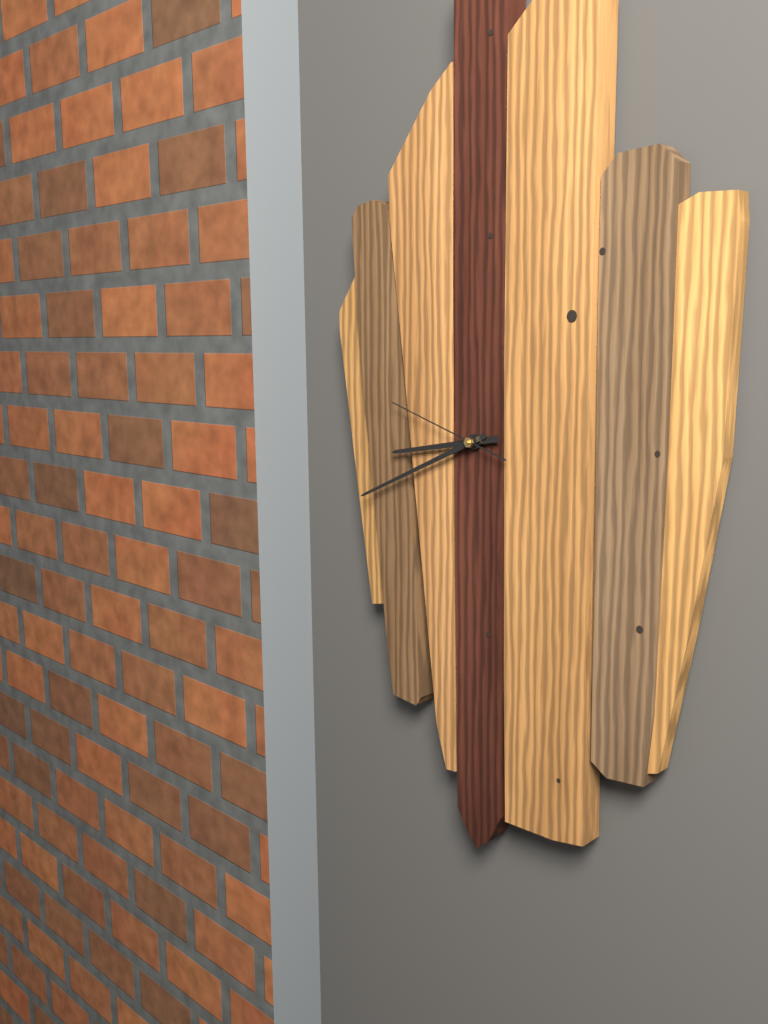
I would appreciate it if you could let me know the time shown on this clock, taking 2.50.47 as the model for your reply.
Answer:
8.41.48
